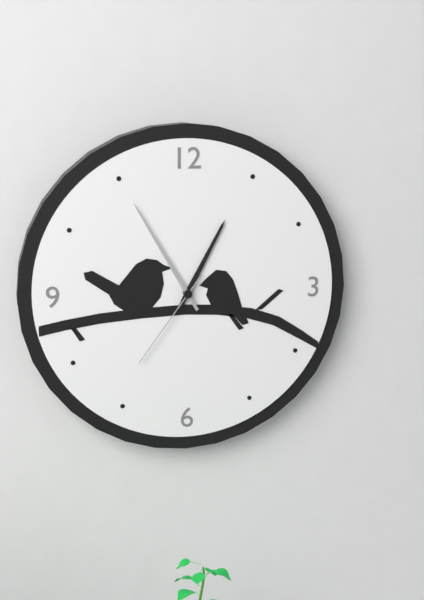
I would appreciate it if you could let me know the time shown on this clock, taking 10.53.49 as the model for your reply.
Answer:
12.55.36
